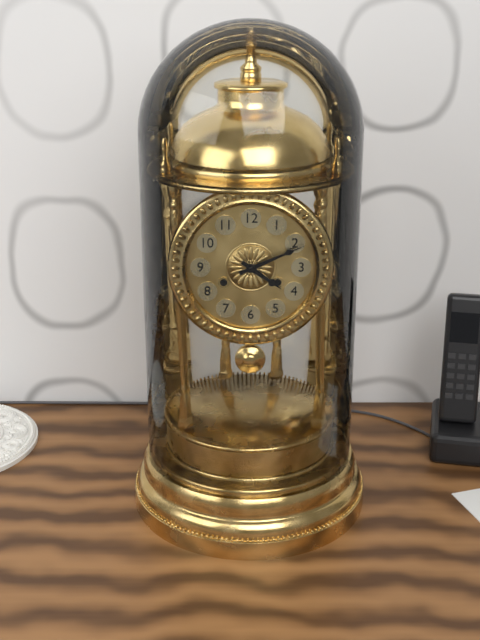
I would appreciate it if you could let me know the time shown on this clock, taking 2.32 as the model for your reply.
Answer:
4.11
